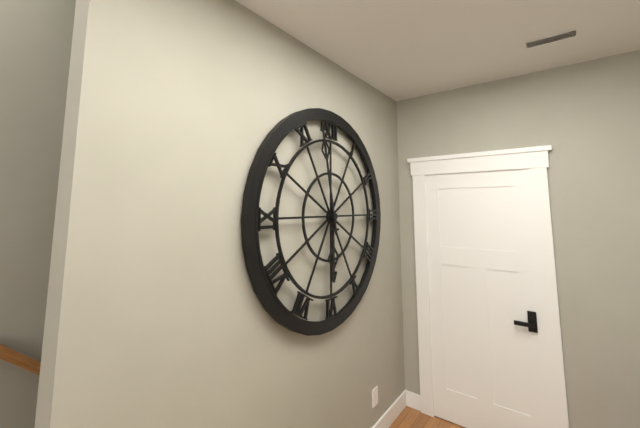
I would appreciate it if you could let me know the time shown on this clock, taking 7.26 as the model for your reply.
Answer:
5.58
